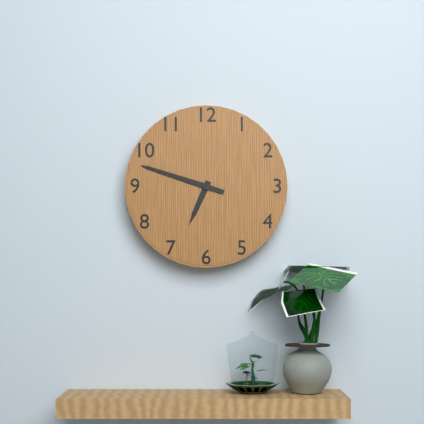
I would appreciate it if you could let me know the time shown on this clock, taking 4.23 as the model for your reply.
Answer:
6.48
